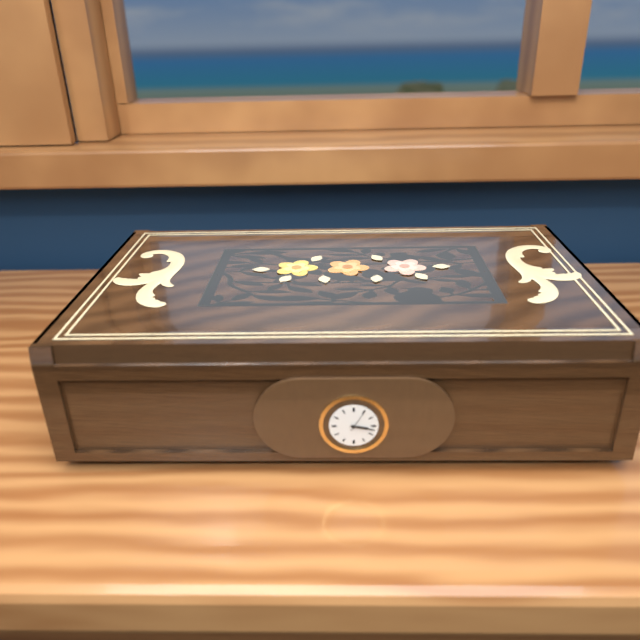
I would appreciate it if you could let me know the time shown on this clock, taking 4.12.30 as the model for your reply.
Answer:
3.17.05
